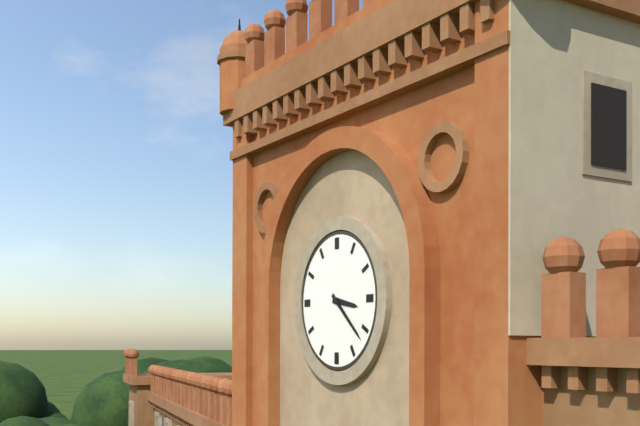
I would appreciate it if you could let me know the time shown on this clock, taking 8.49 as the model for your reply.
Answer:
3.22
